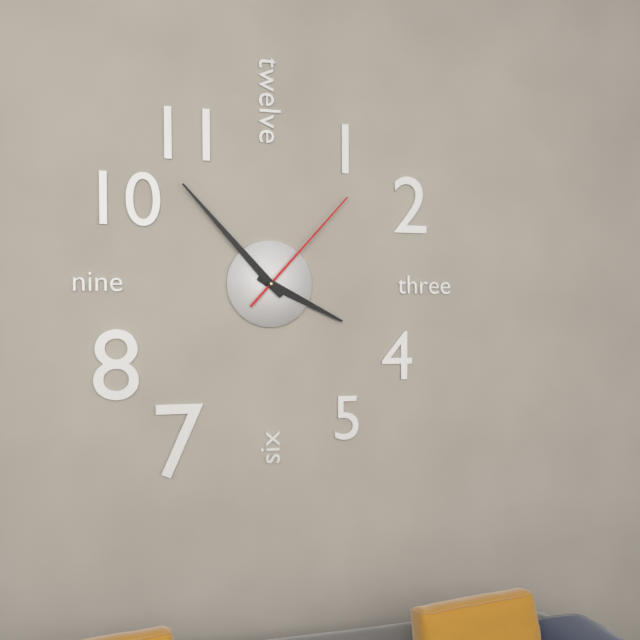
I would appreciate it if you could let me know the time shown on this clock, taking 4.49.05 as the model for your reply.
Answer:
3.53.07
